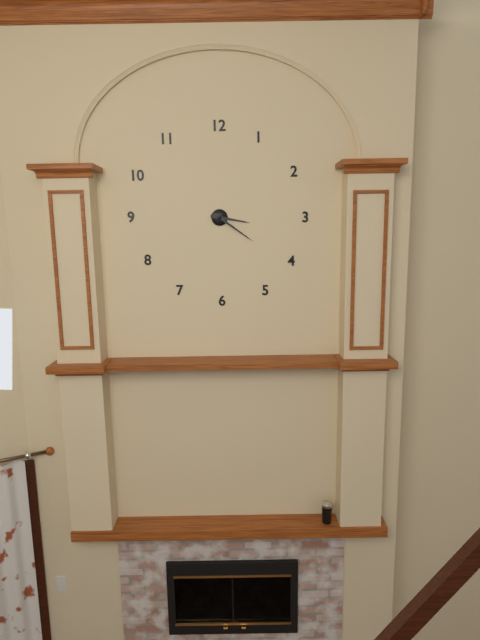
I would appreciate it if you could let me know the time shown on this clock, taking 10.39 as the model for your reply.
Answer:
3.21
